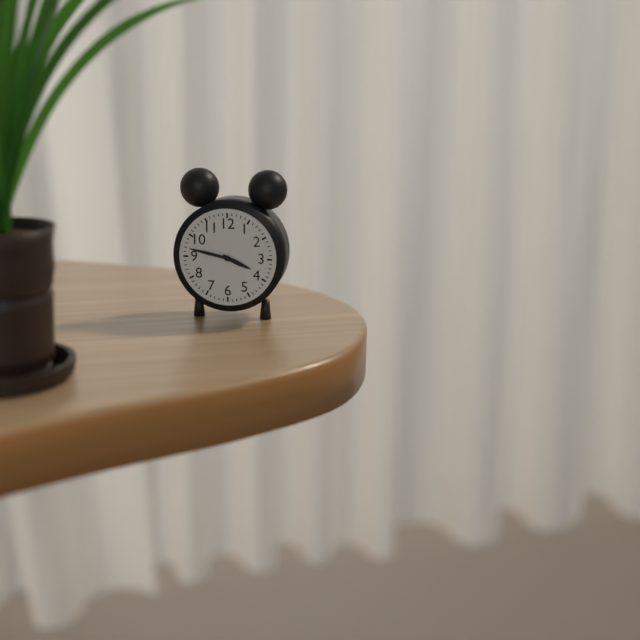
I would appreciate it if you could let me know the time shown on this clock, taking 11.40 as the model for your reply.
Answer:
3.47
